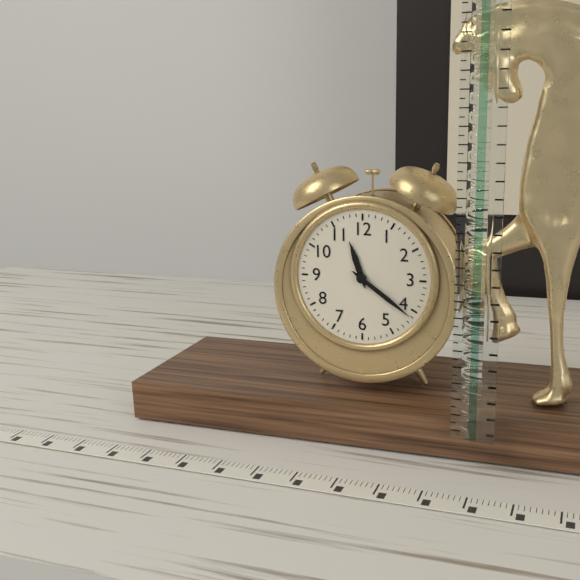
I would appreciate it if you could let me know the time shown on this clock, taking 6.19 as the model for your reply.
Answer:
11.21
